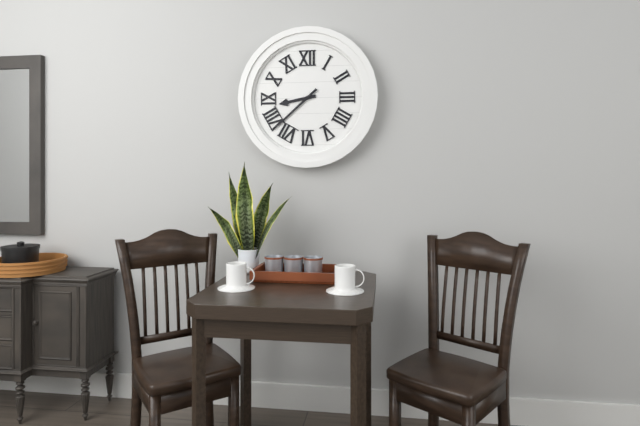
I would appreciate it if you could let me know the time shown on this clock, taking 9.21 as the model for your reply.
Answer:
8.38
